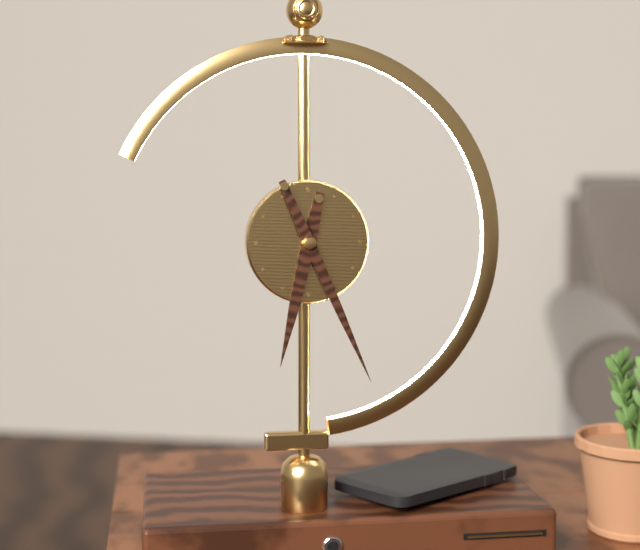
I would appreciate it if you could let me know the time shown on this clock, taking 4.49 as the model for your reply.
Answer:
6.26
